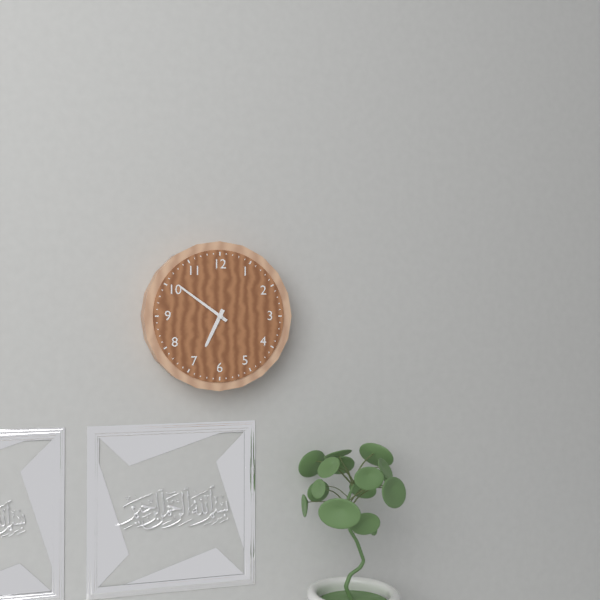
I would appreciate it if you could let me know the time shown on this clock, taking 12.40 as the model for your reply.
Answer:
6.51
